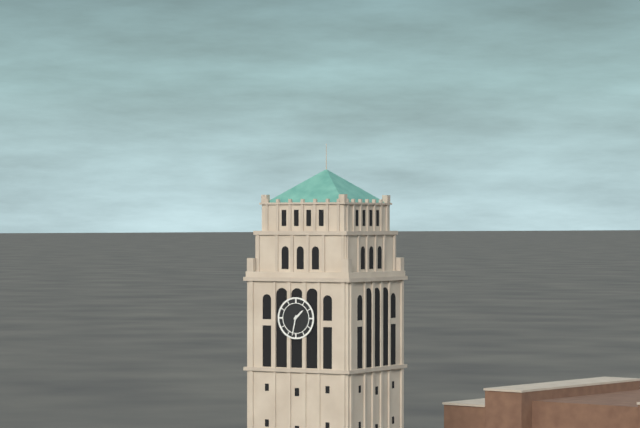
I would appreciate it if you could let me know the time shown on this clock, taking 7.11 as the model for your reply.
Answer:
1.32
